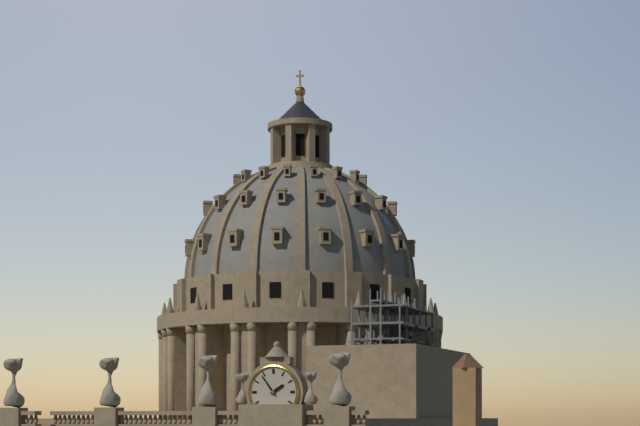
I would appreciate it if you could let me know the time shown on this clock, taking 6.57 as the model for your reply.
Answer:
1.54
